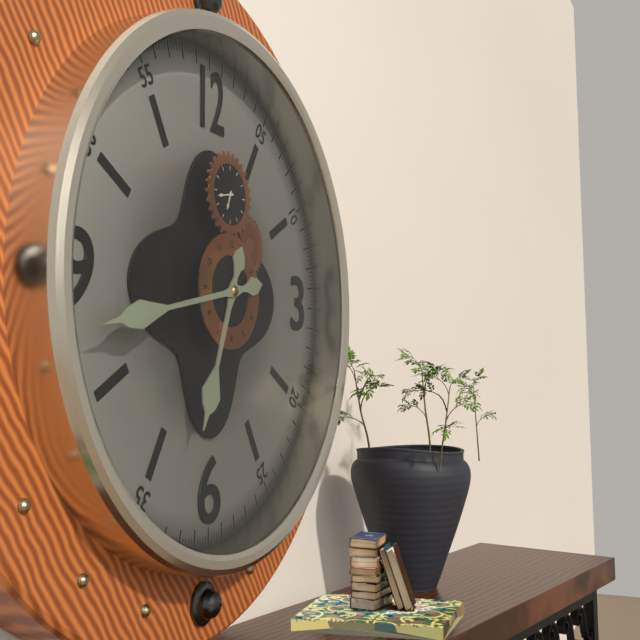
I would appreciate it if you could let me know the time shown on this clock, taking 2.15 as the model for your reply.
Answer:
6.43
